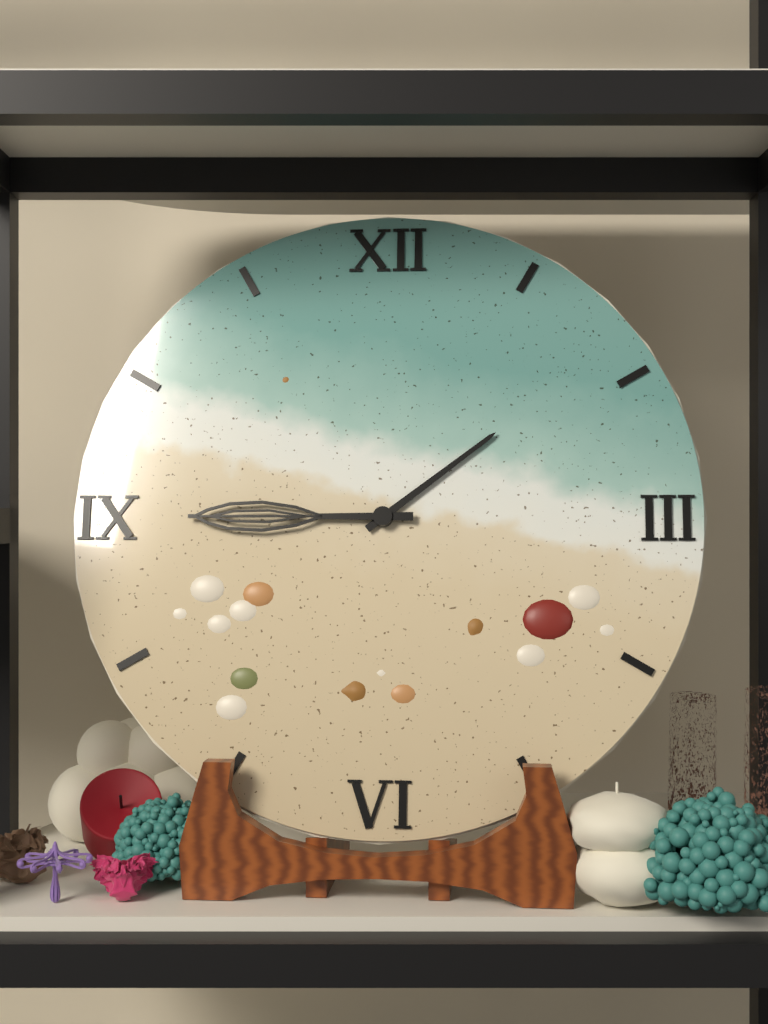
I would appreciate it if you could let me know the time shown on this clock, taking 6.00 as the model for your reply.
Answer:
1.45
